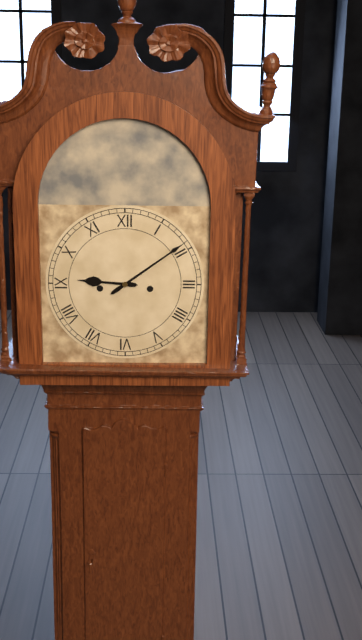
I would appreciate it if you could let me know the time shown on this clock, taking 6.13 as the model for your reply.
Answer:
9.09
